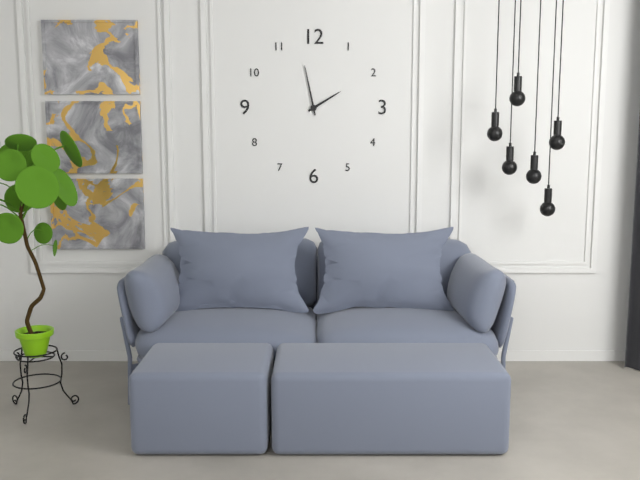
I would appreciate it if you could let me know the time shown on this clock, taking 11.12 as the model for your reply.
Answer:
1.58
